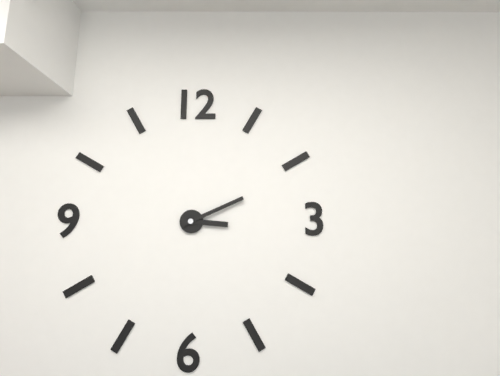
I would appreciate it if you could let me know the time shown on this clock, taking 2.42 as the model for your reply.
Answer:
3.11
